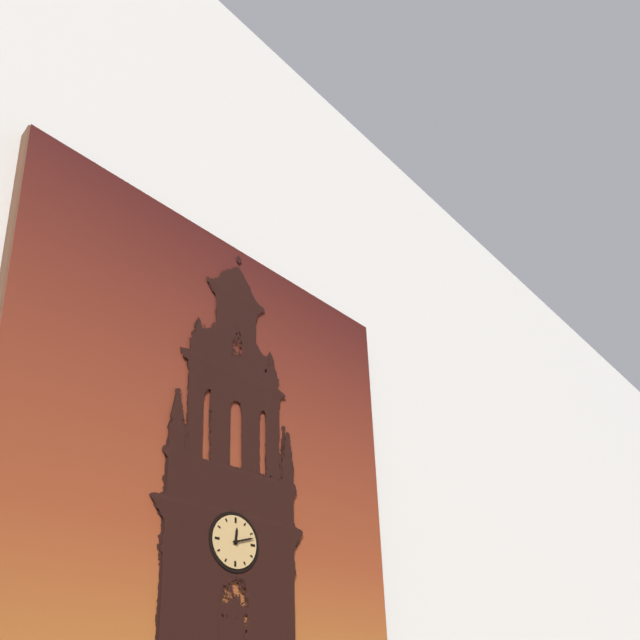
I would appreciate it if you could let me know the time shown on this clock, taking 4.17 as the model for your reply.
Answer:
12.12
